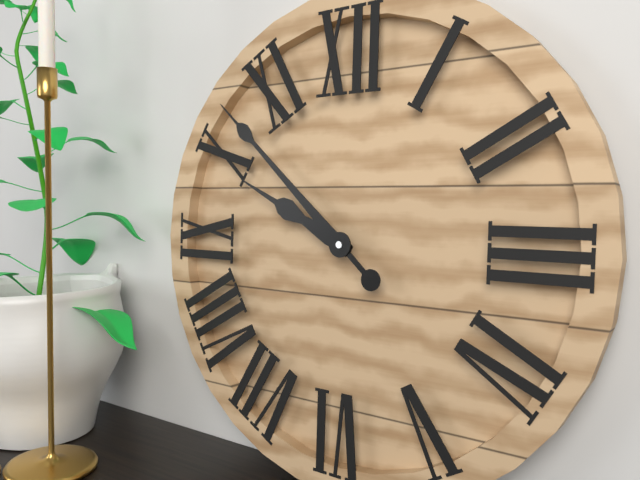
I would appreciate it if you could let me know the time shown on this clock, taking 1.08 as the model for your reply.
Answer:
9.52
